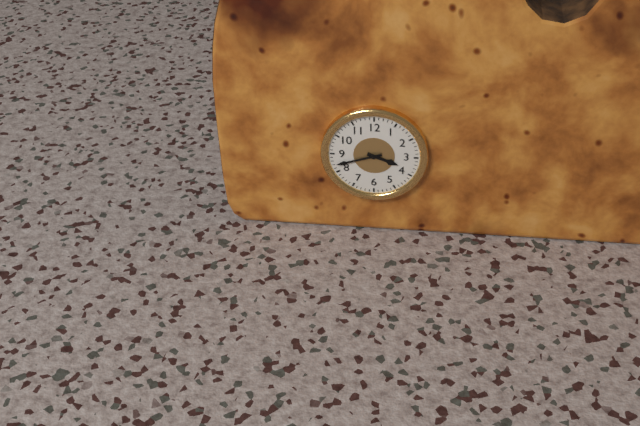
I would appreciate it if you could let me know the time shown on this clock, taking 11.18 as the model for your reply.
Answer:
3.42
